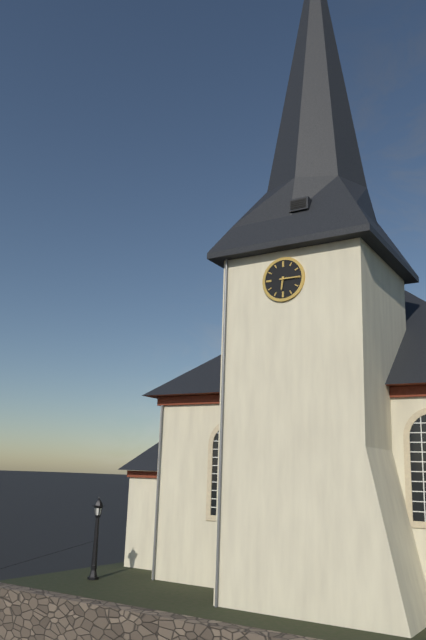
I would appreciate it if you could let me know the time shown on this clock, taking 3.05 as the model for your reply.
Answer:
6.15
